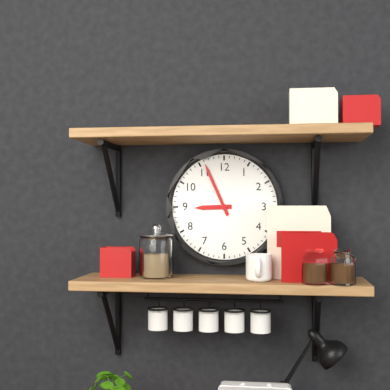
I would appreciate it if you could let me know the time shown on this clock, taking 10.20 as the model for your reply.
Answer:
8.56
